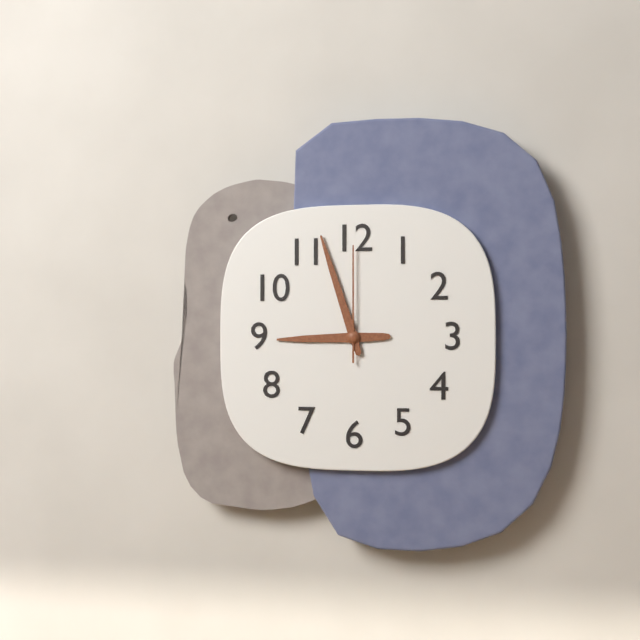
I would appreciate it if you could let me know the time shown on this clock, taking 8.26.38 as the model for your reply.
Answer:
8.57.00
